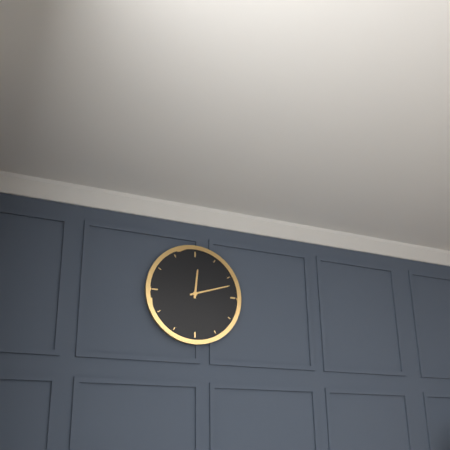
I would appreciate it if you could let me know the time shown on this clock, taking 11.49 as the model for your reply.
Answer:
12.12
